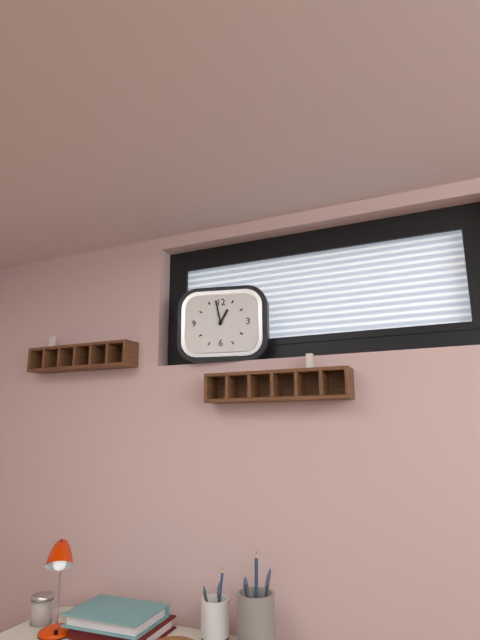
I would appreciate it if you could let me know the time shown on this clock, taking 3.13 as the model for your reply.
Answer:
12.58
